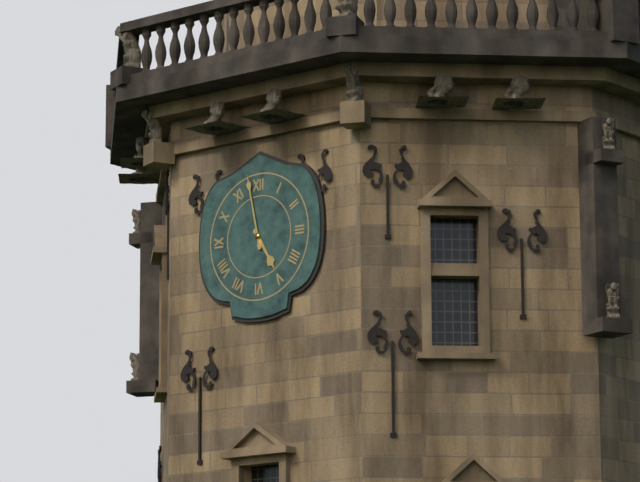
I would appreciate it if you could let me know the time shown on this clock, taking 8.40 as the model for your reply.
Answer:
4.58
